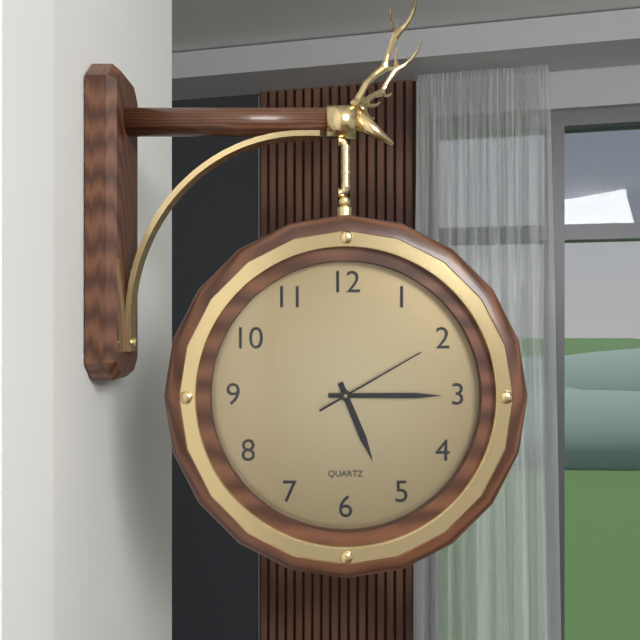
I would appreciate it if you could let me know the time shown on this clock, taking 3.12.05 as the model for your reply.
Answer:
5.15.10
